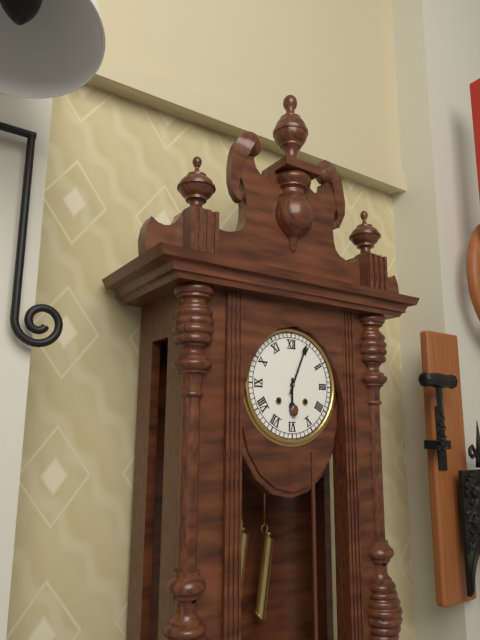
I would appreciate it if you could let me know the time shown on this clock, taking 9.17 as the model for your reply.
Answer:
6.04
